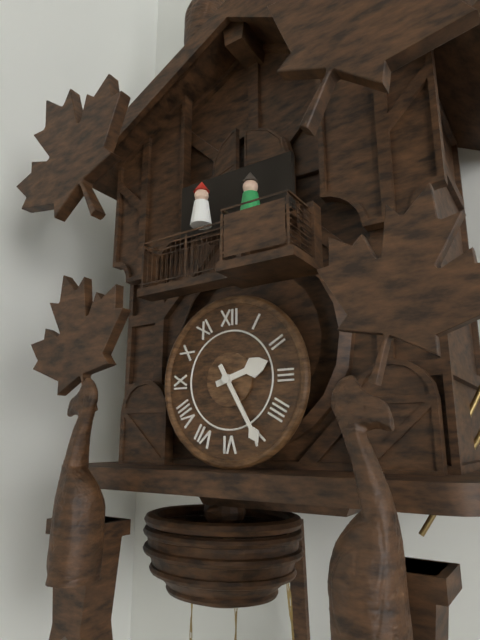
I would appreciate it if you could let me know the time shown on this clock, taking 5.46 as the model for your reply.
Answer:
2.25
